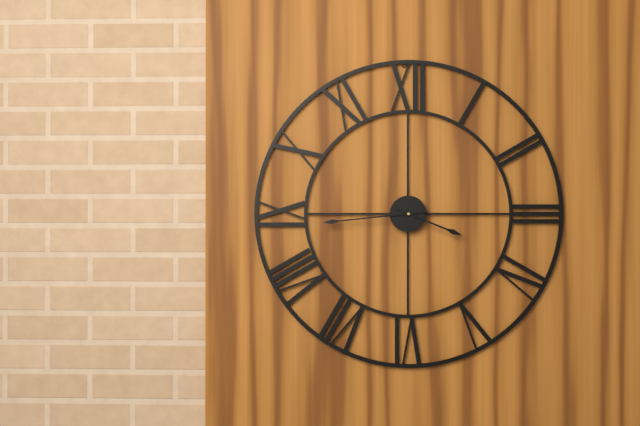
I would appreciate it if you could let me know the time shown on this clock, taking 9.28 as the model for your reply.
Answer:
3.44
